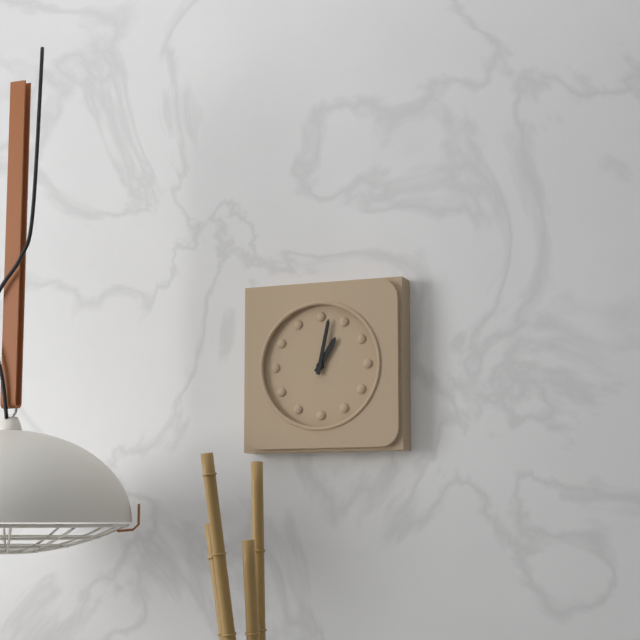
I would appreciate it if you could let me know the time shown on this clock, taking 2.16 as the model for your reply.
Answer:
1.02
